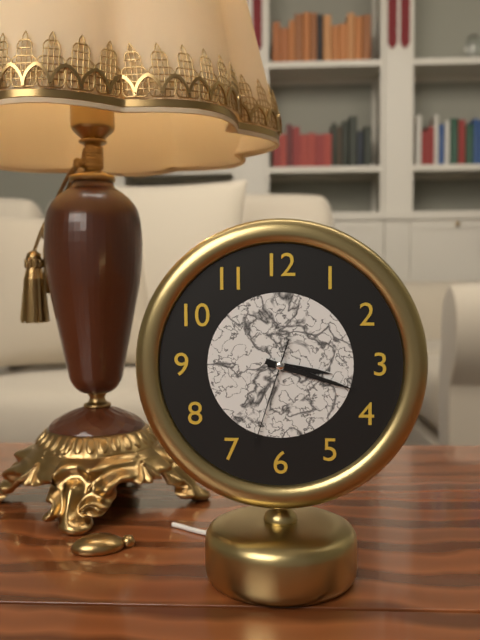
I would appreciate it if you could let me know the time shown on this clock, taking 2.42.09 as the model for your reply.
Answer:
3.18.33
